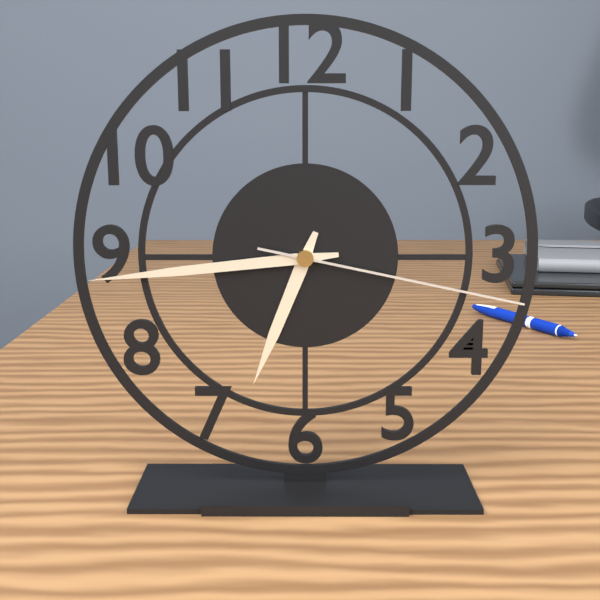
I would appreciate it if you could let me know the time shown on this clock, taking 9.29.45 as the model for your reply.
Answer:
6.44.17
